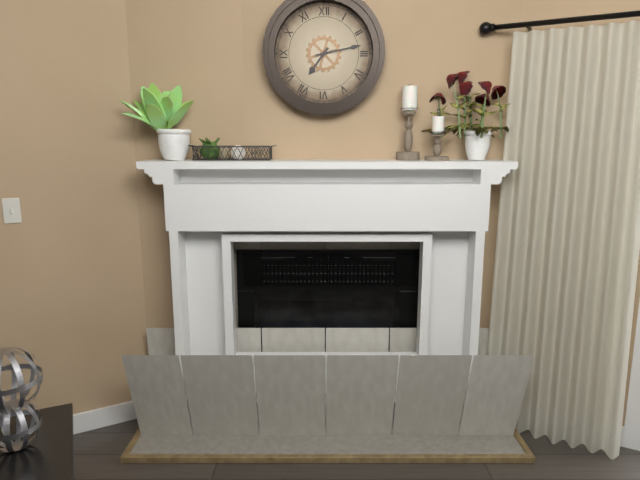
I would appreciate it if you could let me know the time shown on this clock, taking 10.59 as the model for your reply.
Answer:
7.13
